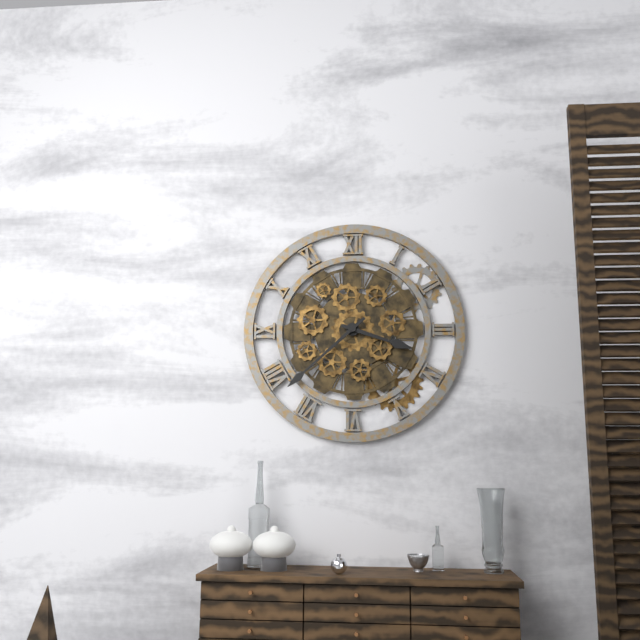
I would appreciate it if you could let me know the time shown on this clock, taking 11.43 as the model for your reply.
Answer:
3.38
